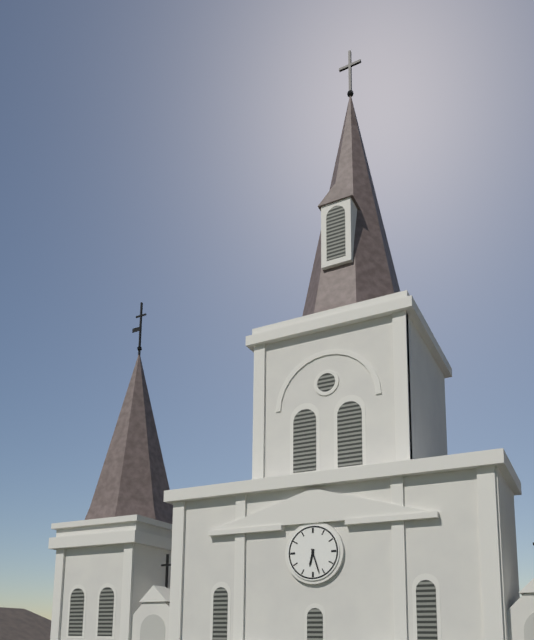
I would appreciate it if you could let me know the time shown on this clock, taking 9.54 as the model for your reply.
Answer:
6.27
